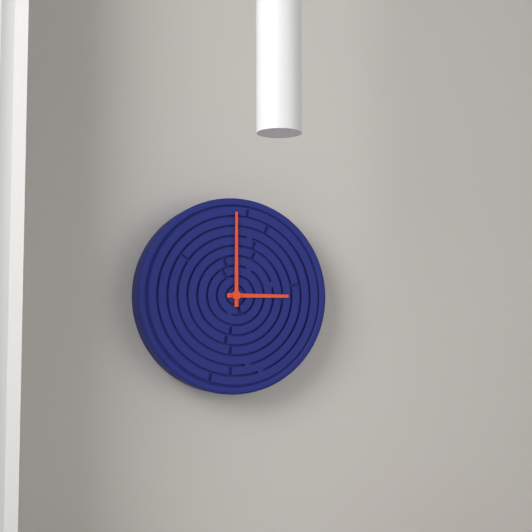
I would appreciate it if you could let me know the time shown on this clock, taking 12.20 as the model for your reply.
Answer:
3.00
